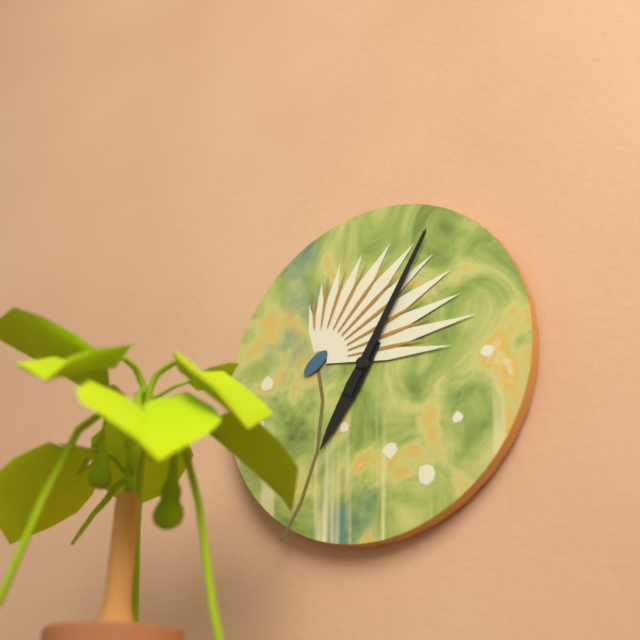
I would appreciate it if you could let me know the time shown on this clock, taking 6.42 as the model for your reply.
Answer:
7.05
